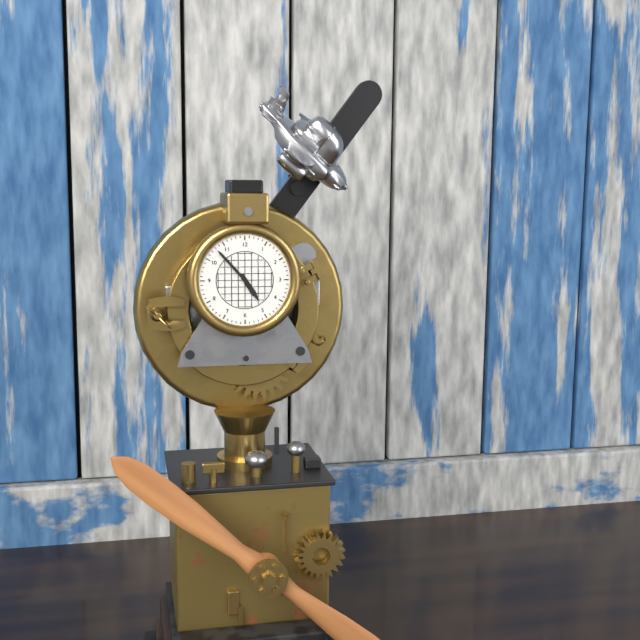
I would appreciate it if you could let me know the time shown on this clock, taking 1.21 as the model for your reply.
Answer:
4.53
